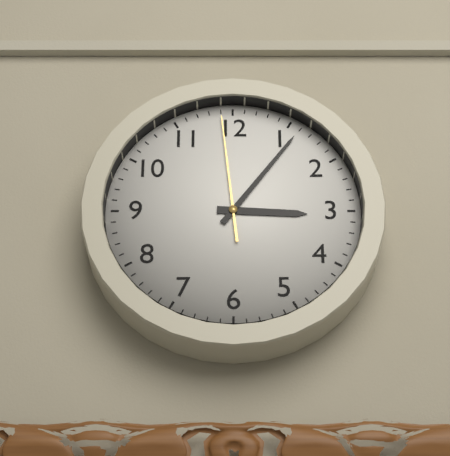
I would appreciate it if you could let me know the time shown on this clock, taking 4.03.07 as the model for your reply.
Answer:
3.06.59
